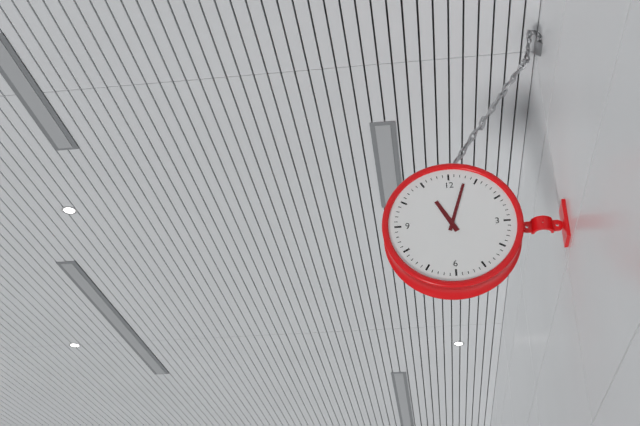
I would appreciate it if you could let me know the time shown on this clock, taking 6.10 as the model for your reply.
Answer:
11.03
